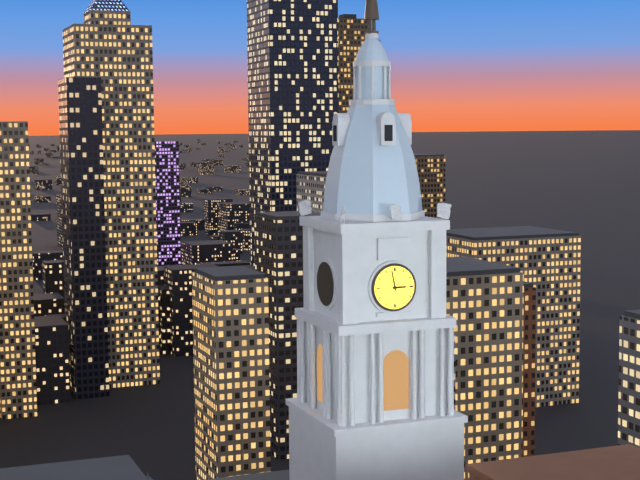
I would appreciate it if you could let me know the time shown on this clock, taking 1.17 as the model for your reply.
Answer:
2.58
